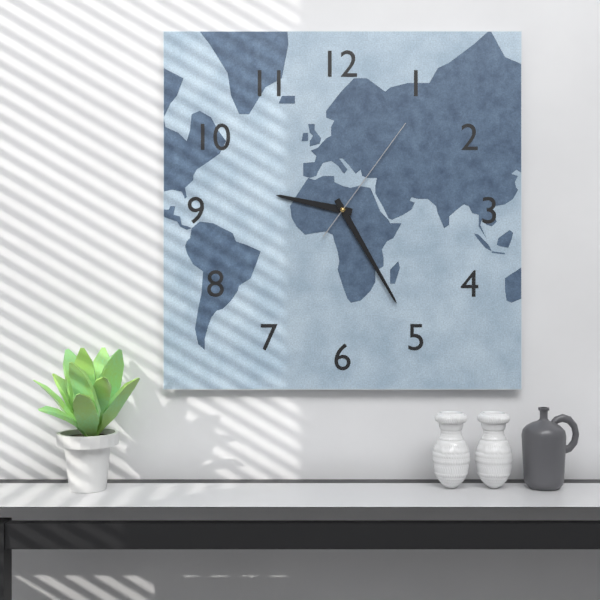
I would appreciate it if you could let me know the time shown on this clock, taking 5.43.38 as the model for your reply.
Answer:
9.25.06
